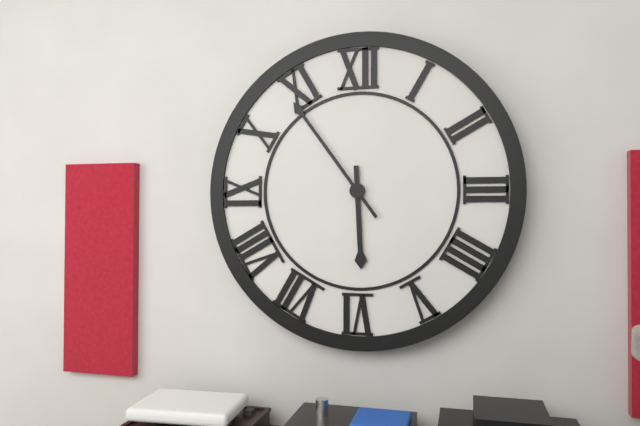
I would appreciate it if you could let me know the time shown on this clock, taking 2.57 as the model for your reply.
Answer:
5.54
